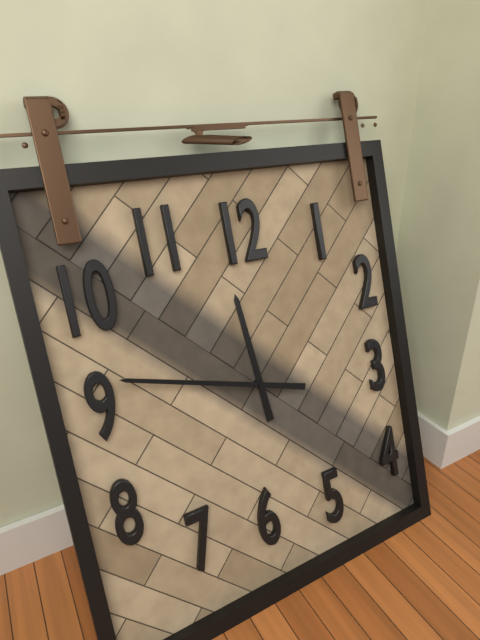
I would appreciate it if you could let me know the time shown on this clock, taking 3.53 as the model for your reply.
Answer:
11.48
